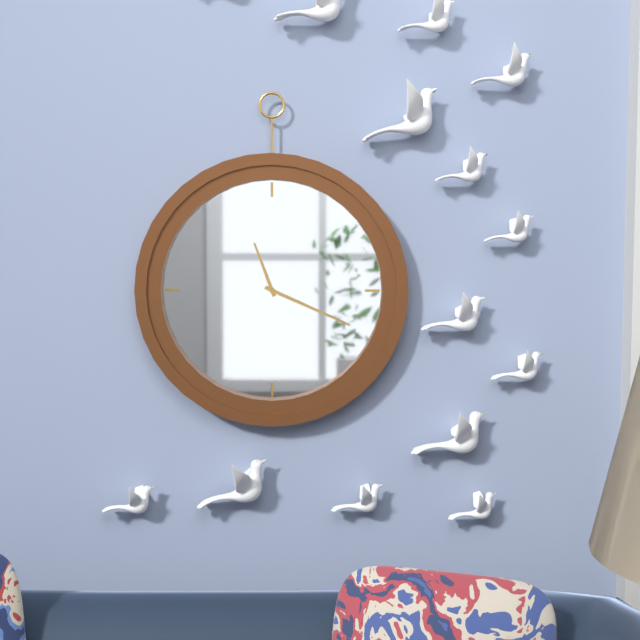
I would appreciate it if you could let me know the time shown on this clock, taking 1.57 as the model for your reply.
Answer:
11.19
